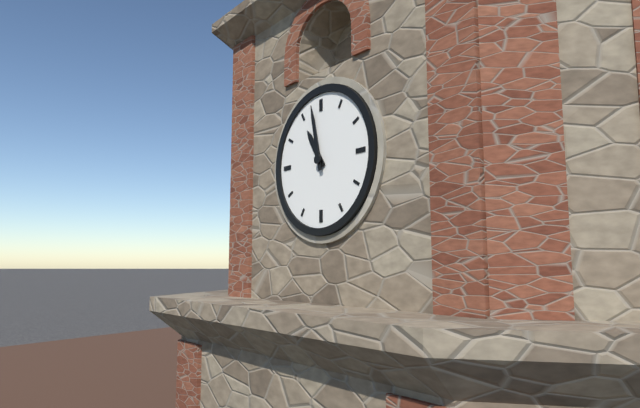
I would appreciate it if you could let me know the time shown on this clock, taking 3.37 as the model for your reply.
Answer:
10.58
